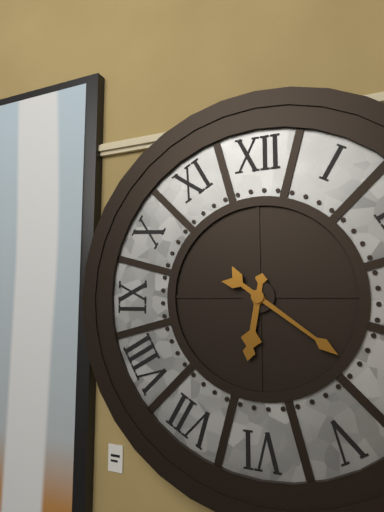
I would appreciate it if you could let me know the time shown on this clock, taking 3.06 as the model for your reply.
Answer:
6.21
